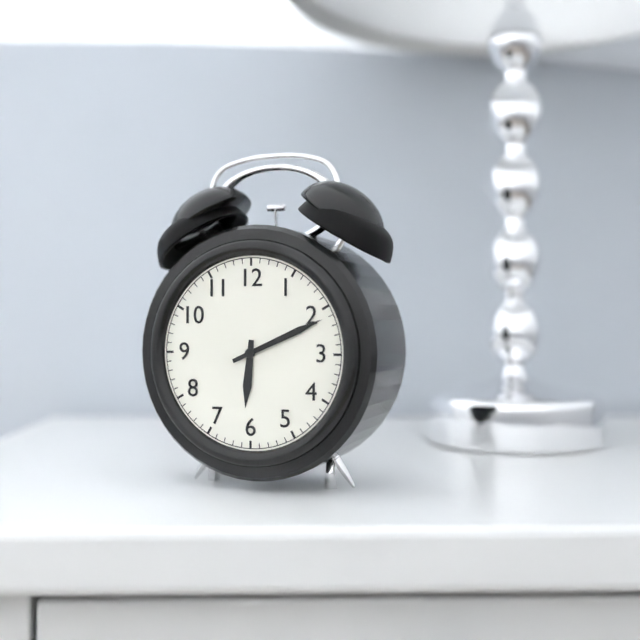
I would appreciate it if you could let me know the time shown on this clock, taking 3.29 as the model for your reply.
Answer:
6.11
